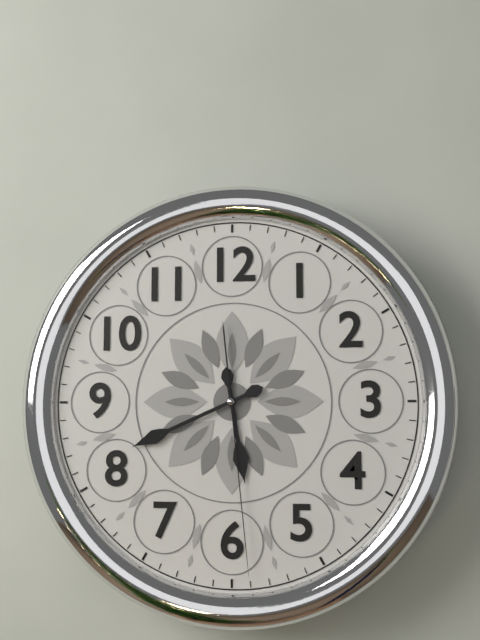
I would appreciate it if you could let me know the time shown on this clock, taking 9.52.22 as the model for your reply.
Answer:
5.41.29
